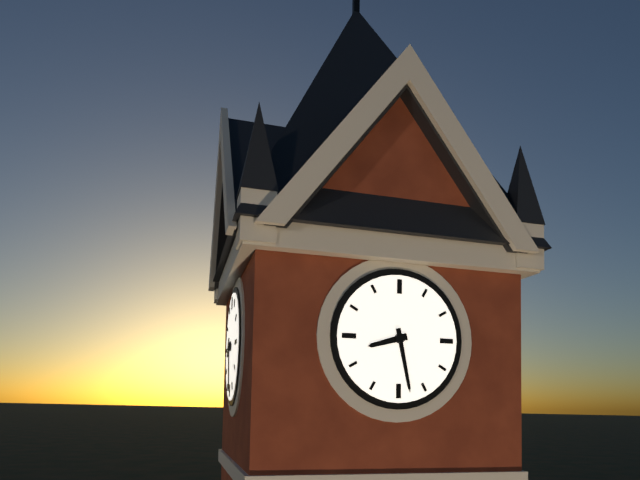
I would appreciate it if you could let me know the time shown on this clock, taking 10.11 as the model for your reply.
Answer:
8.28
